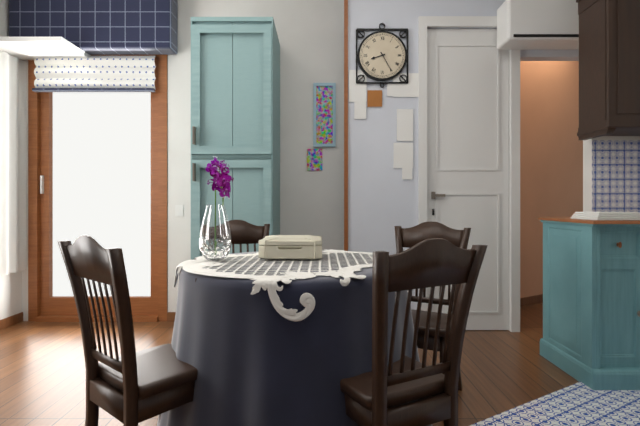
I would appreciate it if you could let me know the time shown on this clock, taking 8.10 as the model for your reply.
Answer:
8.25
